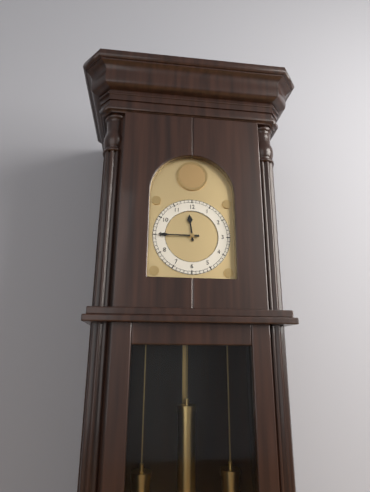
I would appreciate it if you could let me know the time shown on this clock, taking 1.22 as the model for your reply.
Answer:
11.45
